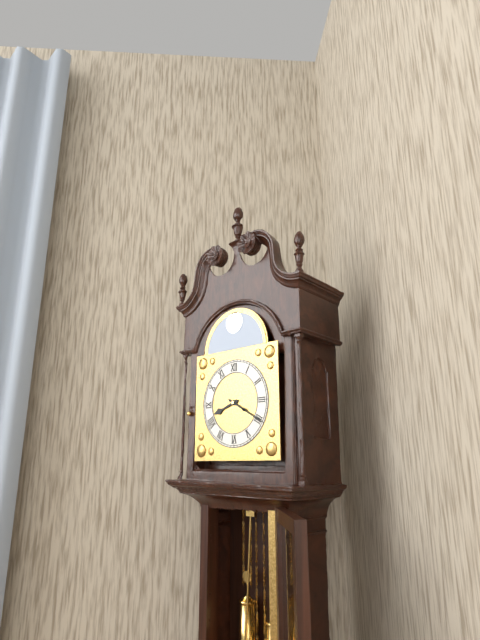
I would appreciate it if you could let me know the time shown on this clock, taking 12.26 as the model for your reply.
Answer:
8.20
